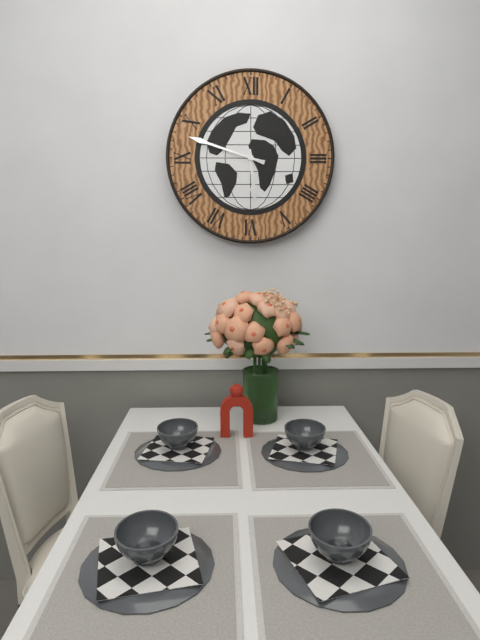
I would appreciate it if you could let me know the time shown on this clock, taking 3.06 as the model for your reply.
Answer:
5.48
